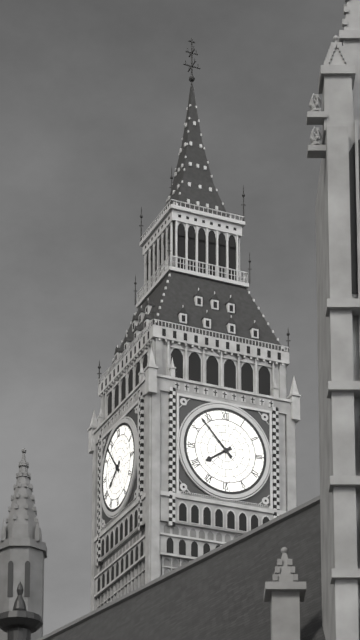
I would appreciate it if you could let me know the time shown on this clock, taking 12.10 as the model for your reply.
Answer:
7.53
